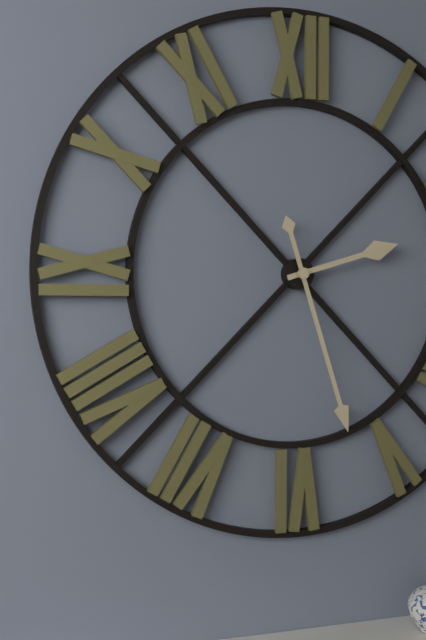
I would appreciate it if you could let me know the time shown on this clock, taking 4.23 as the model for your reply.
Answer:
2.27
